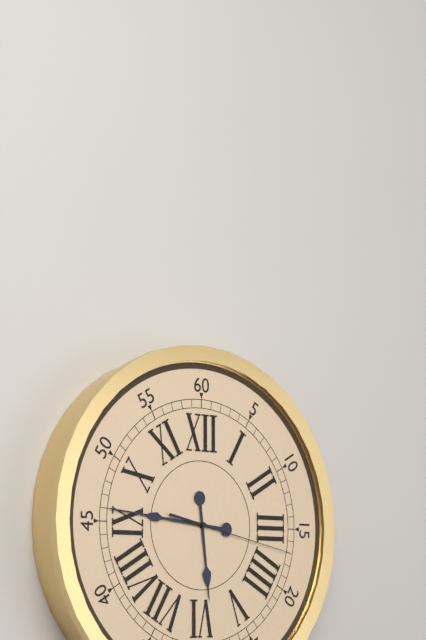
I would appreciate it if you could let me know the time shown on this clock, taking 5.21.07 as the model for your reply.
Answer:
5.46.17
